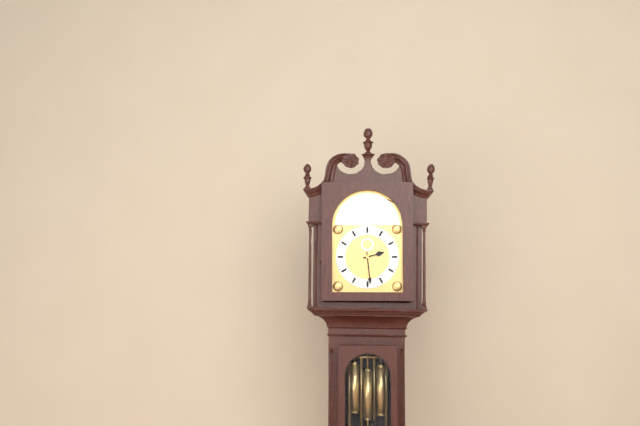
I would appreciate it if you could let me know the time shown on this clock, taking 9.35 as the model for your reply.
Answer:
2.29
